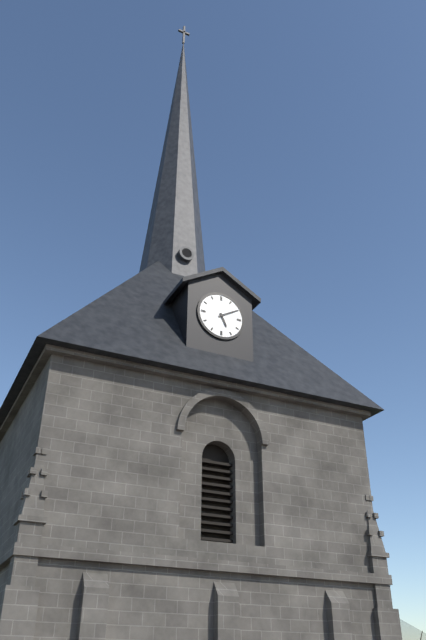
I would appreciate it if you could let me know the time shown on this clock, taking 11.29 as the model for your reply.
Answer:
5.10
